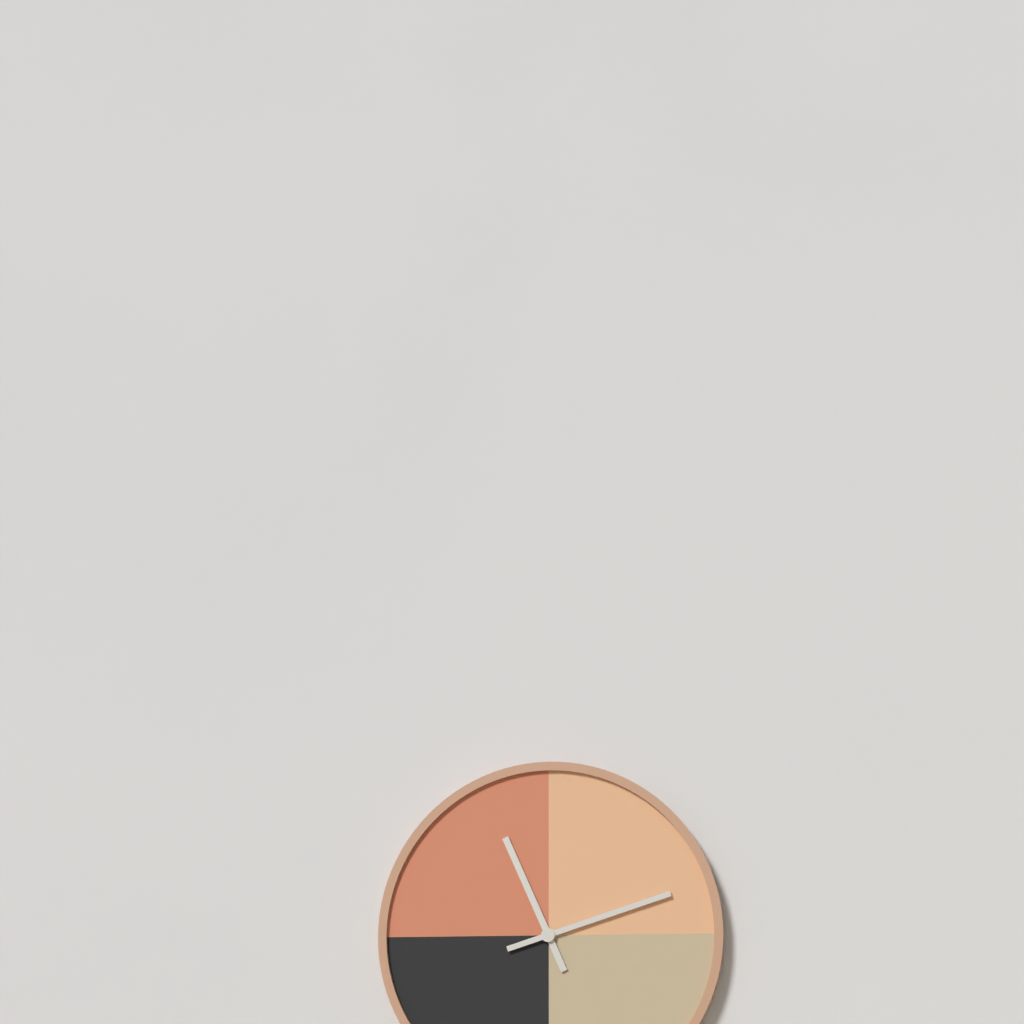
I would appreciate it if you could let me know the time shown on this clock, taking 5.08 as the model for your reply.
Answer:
11.12
